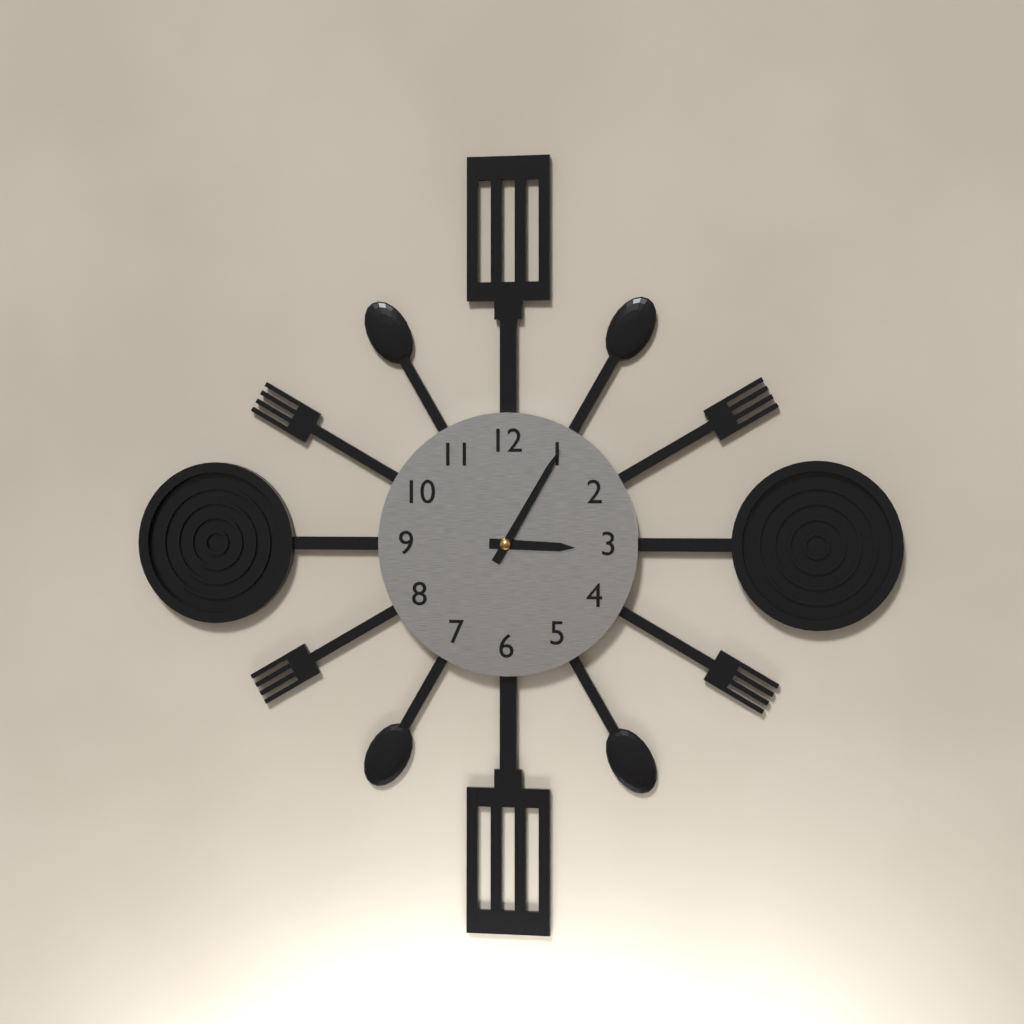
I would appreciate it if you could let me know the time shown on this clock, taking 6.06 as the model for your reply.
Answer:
3.05
